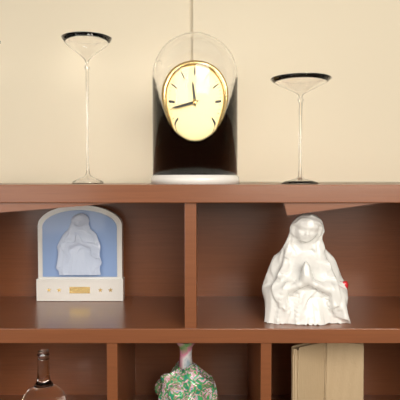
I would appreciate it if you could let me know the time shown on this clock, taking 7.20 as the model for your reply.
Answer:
11.43
